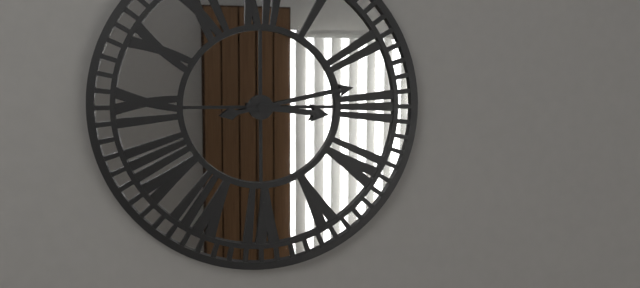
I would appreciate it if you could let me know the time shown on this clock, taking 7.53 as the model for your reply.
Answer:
3.13
